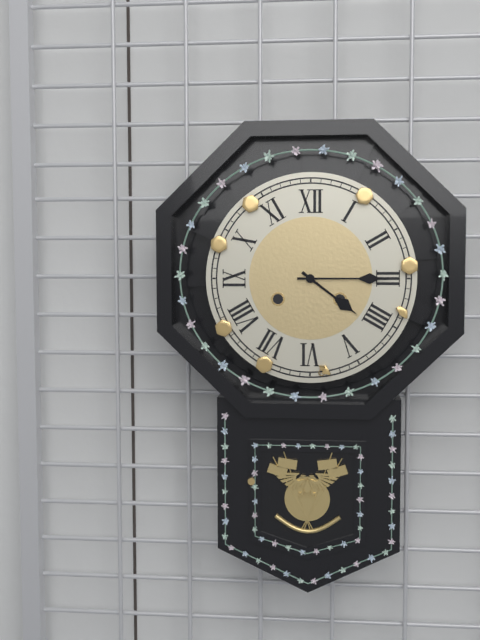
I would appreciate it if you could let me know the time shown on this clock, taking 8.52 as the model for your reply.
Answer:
4.15
